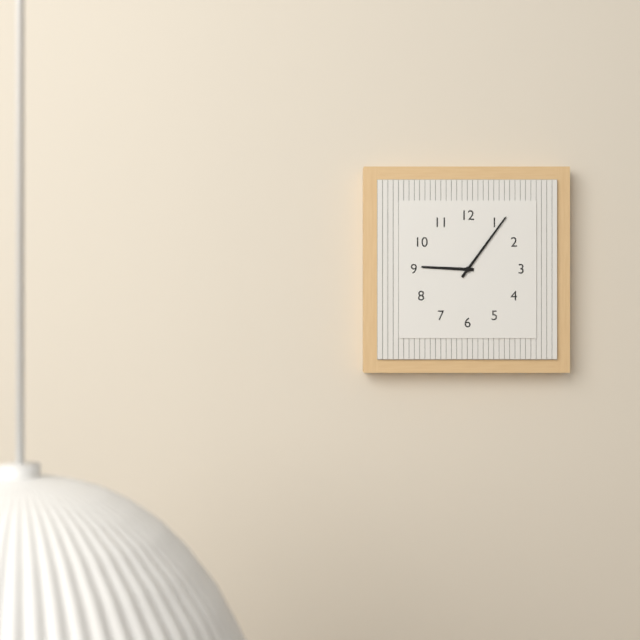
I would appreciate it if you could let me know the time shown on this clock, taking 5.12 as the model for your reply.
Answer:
9.06
